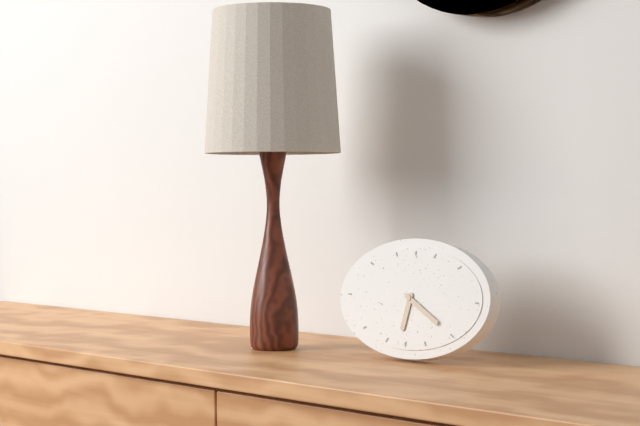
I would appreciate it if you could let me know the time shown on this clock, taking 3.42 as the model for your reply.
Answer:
6.20
